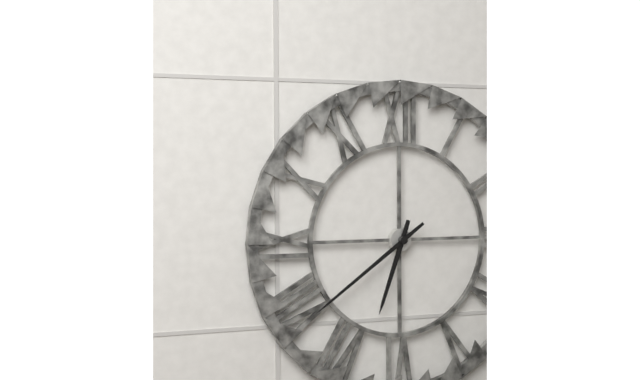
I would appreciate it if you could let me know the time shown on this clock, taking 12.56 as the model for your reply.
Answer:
6.39
